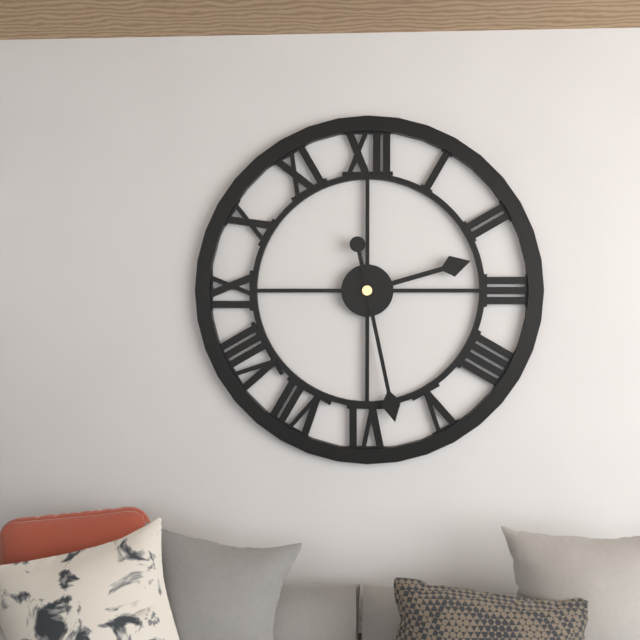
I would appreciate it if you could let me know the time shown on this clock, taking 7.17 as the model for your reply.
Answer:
2.28
